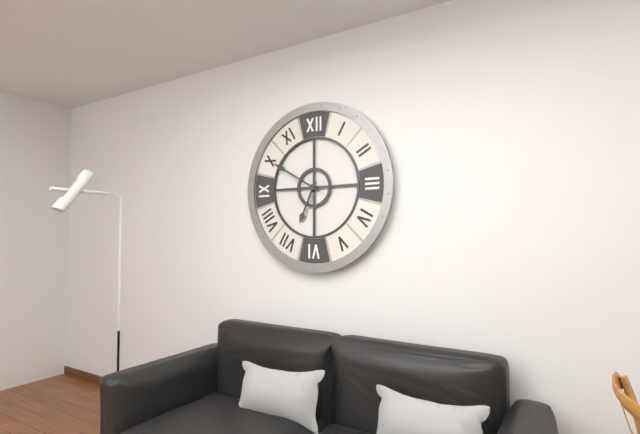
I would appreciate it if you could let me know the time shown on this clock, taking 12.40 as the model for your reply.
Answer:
6.50
